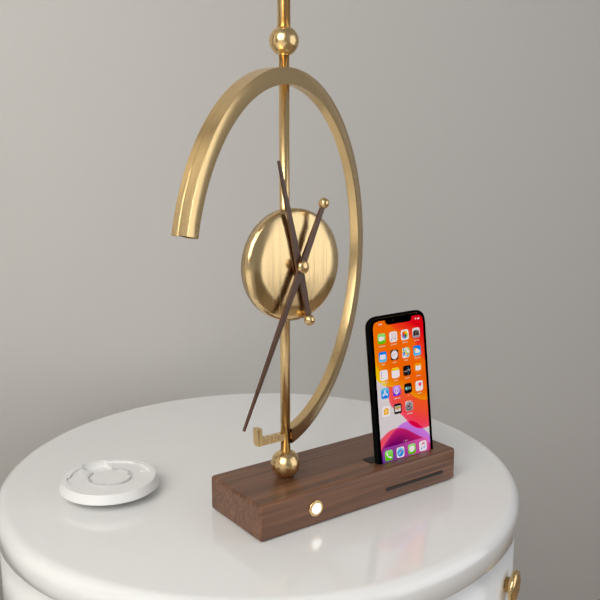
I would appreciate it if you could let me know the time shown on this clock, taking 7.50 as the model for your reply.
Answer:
11.34
